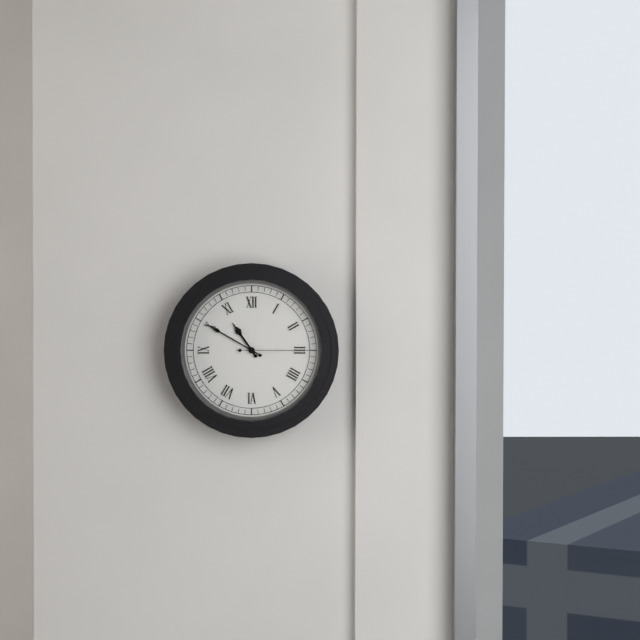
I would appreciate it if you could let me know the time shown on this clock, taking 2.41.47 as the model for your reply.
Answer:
10.50.15
